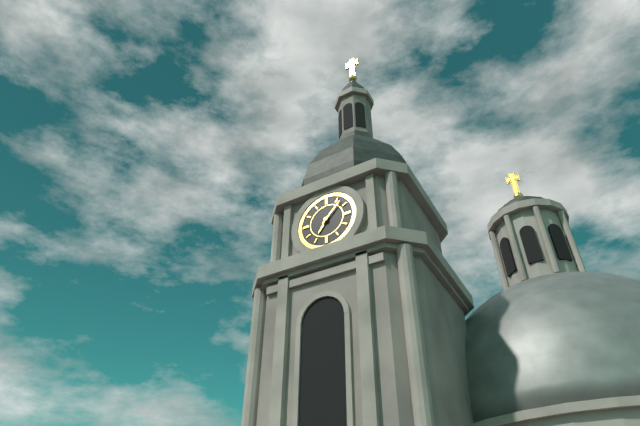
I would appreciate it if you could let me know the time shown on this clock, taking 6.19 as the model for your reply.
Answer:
7.07
